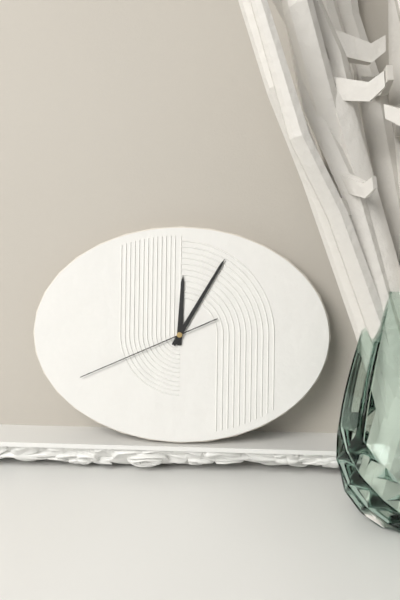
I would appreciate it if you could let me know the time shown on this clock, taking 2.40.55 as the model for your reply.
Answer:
12.05.41
